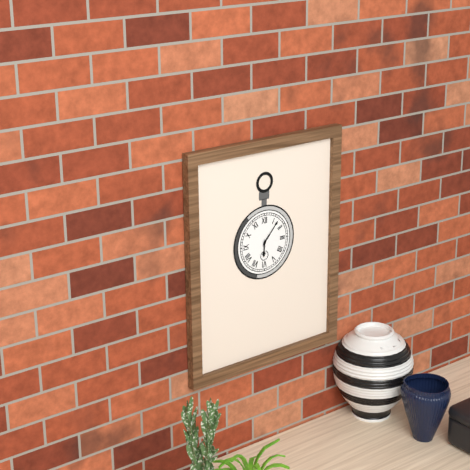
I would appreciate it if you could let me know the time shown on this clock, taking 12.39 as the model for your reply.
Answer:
6.07
